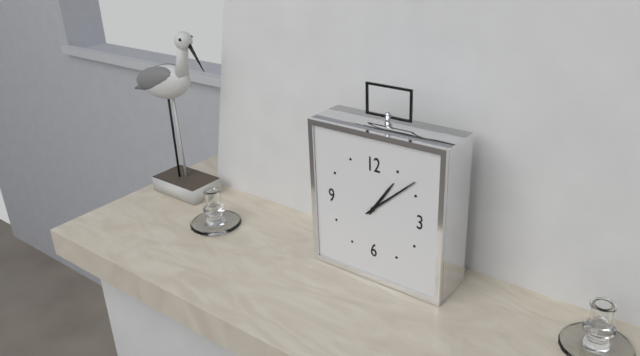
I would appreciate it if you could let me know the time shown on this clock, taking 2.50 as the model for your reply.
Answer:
1.08
